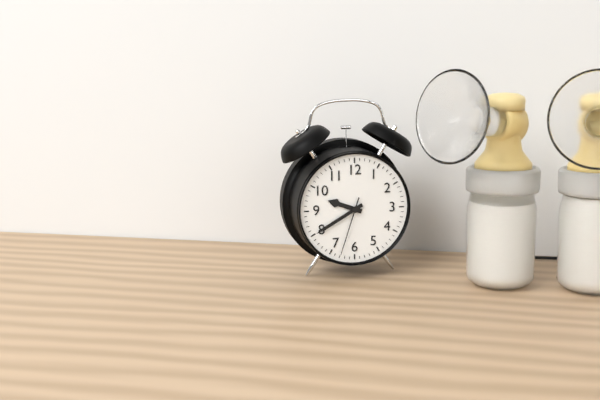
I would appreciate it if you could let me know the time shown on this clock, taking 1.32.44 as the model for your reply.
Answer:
9.40.33
